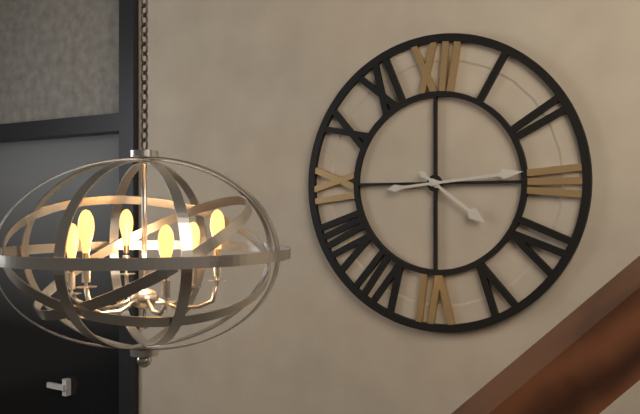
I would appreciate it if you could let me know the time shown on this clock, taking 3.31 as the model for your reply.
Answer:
4.14
